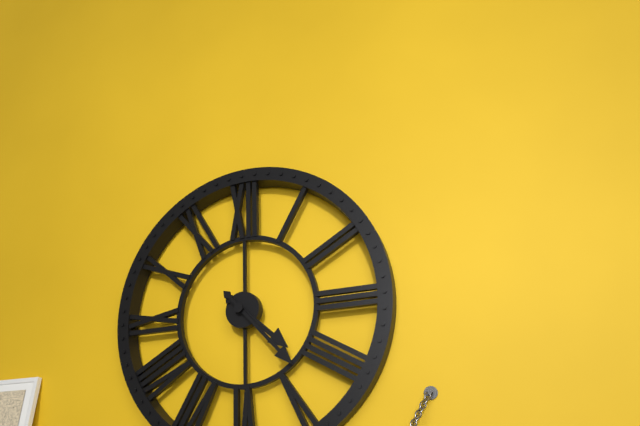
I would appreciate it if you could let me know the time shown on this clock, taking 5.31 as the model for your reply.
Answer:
4.23
